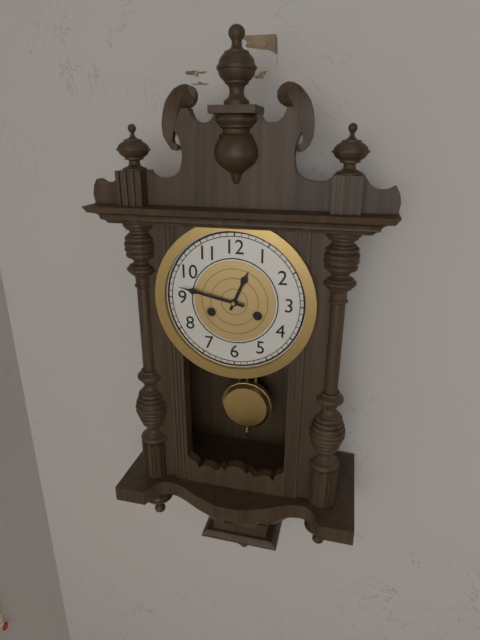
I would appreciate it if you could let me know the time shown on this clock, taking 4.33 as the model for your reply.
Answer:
12.47
